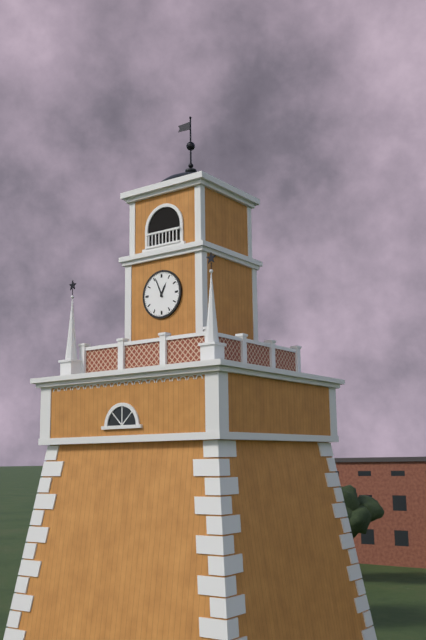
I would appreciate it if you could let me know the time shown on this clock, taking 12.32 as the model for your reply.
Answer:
12.56
